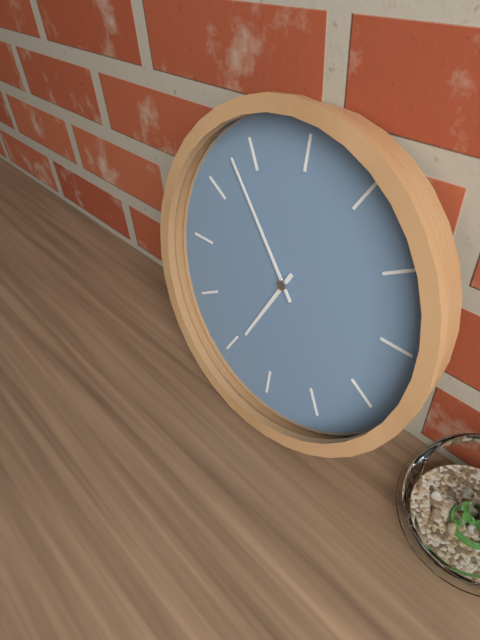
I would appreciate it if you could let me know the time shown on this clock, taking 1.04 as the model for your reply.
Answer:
6.53
